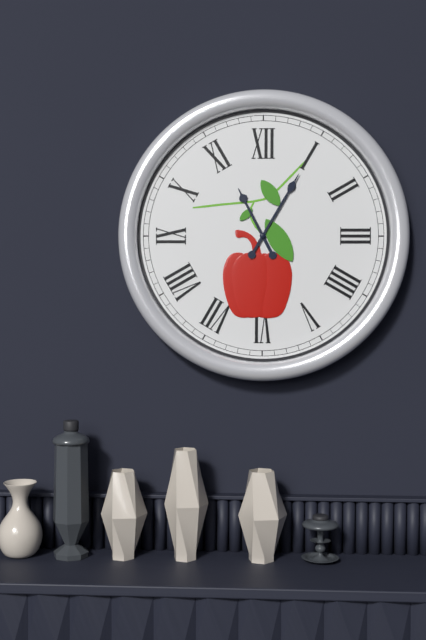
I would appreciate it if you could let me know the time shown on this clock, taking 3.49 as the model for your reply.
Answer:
11.05
